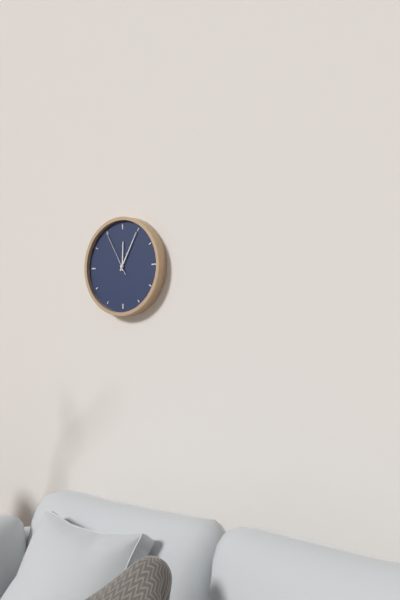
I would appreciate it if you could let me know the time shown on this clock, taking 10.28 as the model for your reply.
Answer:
12.05
